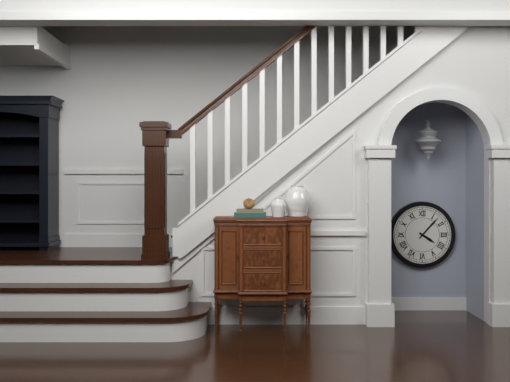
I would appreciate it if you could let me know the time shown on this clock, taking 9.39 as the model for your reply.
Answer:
4.07
